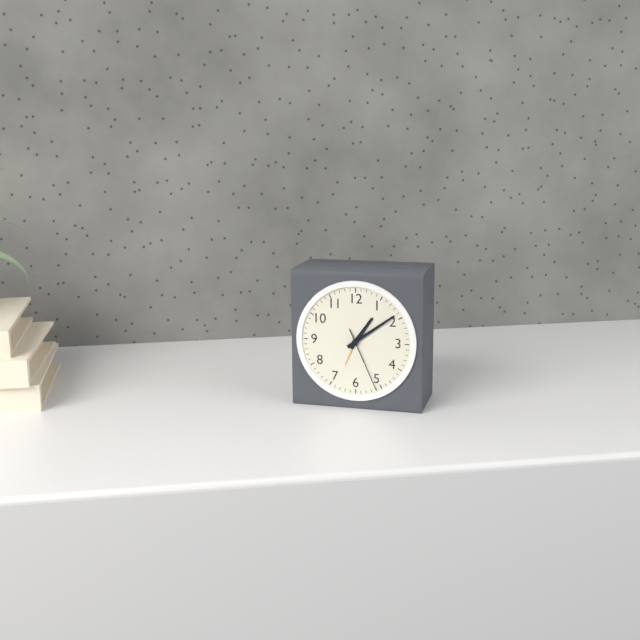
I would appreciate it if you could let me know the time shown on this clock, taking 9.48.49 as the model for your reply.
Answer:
1.09.26
